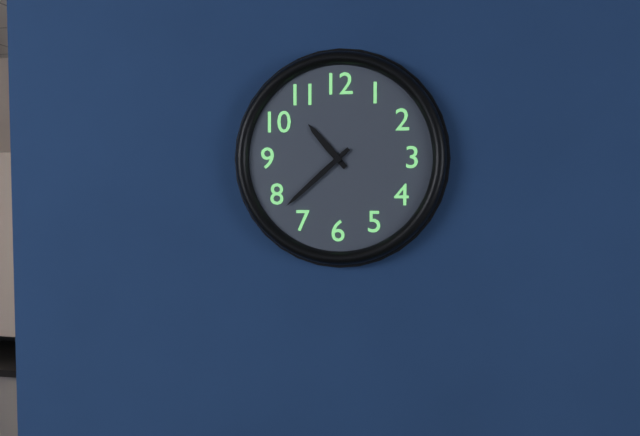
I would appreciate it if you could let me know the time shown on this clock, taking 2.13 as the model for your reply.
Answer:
10.38
